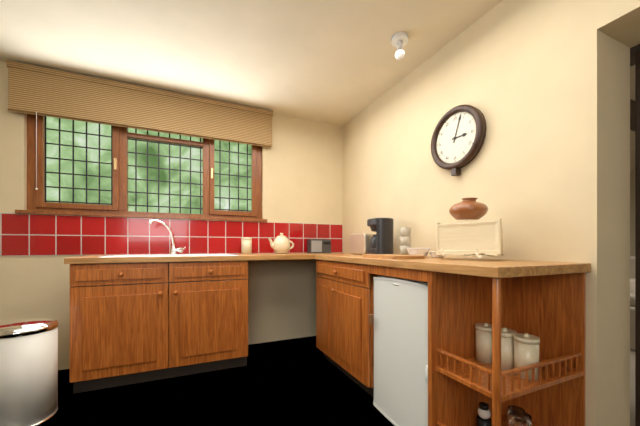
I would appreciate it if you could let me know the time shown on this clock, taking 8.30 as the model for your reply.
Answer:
3.03
